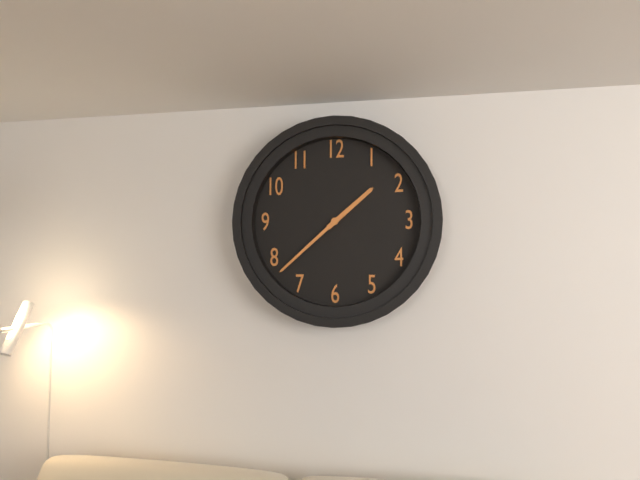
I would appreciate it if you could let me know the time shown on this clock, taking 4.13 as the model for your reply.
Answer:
1.38
